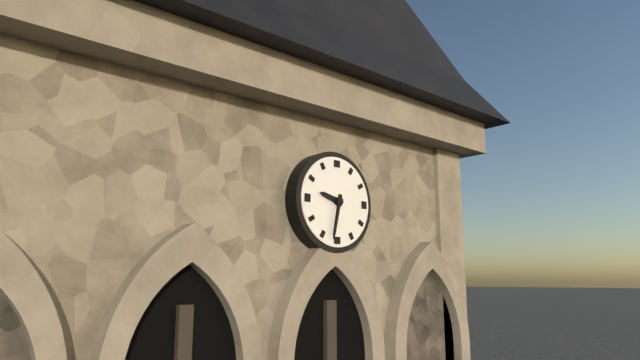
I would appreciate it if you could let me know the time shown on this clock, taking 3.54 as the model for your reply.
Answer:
9.32
